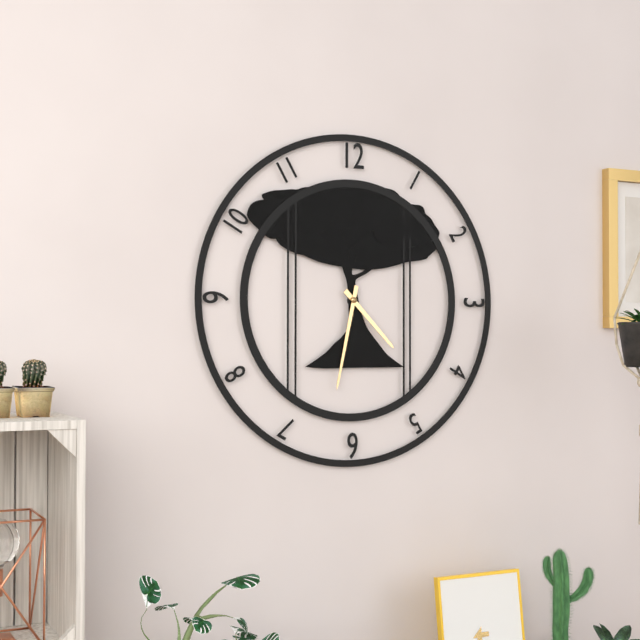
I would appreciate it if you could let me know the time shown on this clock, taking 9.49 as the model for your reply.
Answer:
4.32
